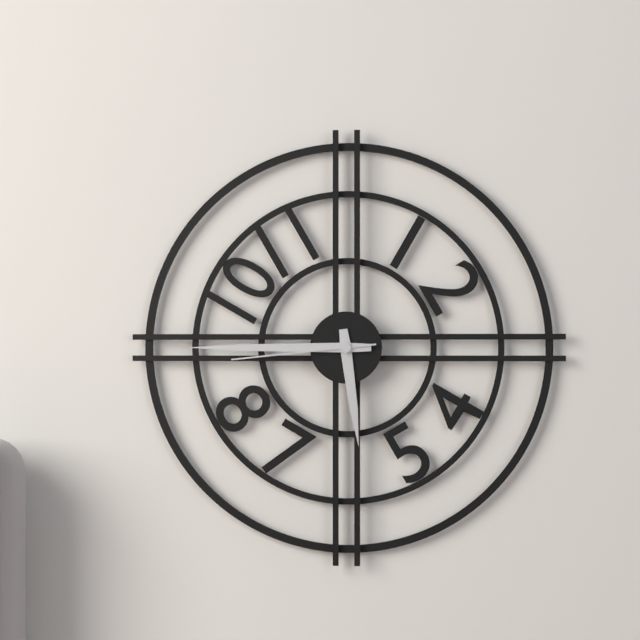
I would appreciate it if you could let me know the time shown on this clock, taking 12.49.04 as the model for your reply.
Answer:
5.45.44
